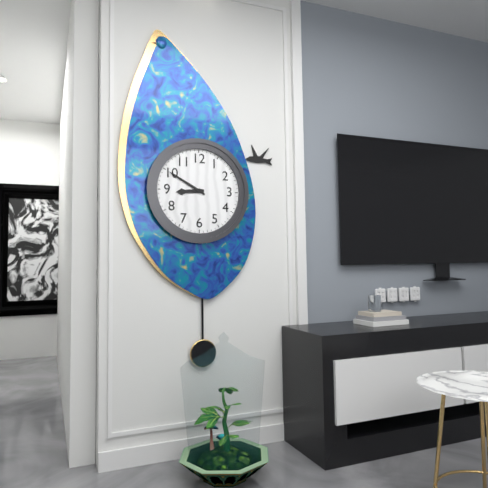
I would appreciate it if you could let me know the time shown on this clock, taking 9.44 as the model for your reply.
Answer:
8.50
